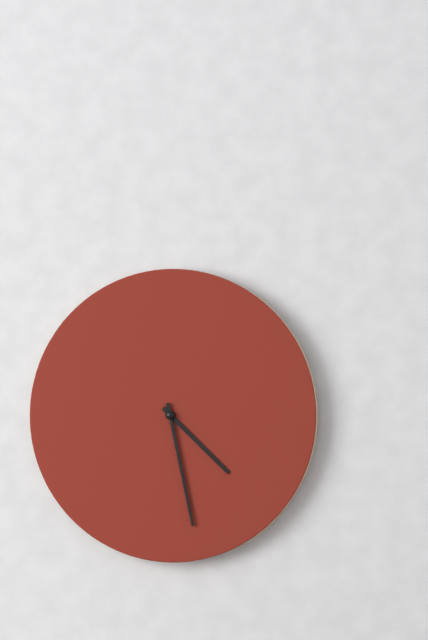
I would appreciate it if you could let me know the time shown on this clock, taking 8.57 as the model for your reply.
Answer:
4.28
